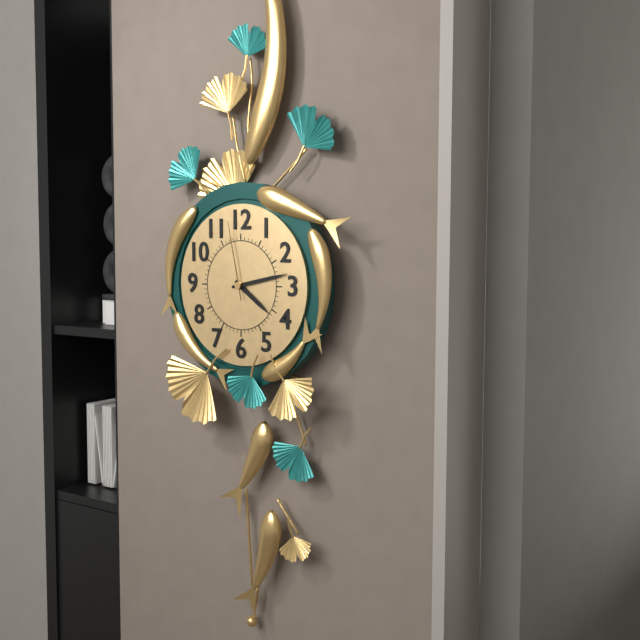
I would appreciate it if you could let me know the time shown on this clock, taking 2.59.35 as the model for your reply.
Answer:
4.13.58
